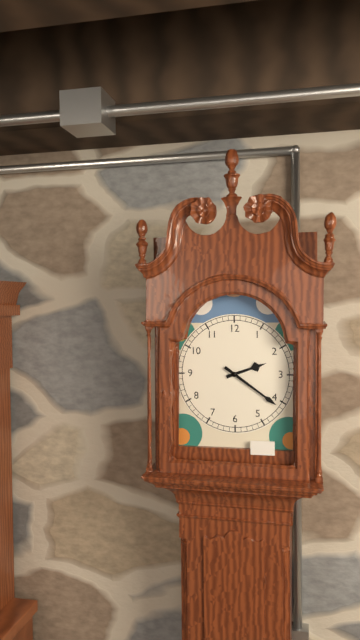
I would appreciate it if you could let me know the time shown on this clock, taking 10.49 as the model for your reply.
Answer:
2.21
